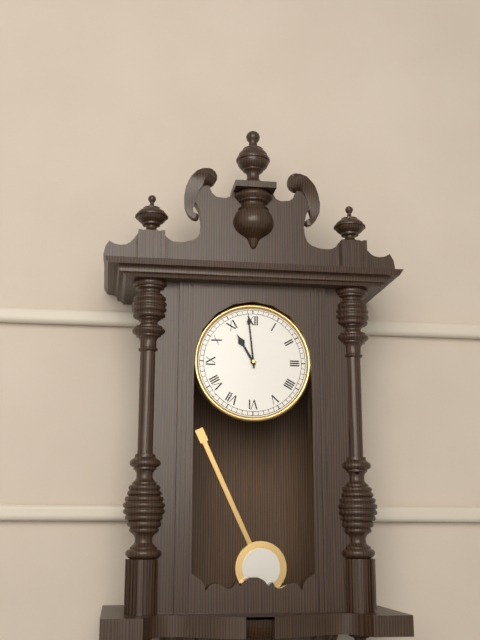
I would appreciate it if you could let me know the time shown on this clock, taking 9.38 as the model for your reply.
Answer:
10.59
